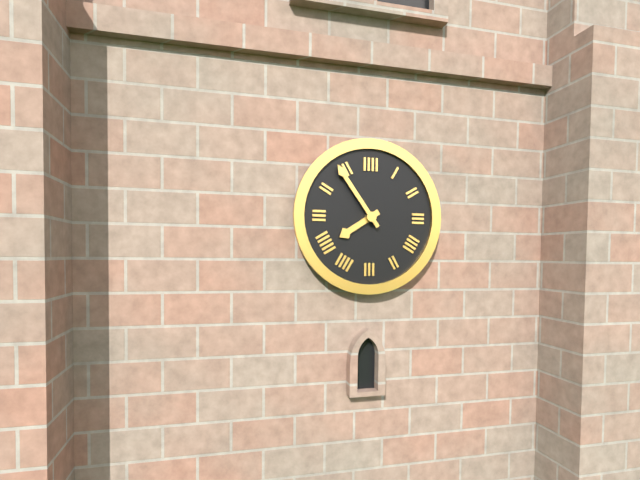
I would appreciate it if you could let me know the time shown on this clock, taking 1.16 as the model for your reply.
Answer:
7.54
